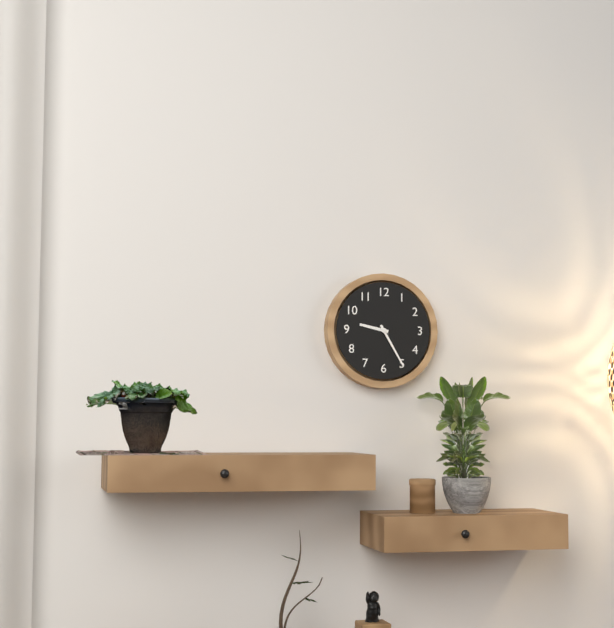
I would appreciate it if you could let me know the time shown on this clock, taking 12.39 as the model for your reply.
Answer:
9.25
